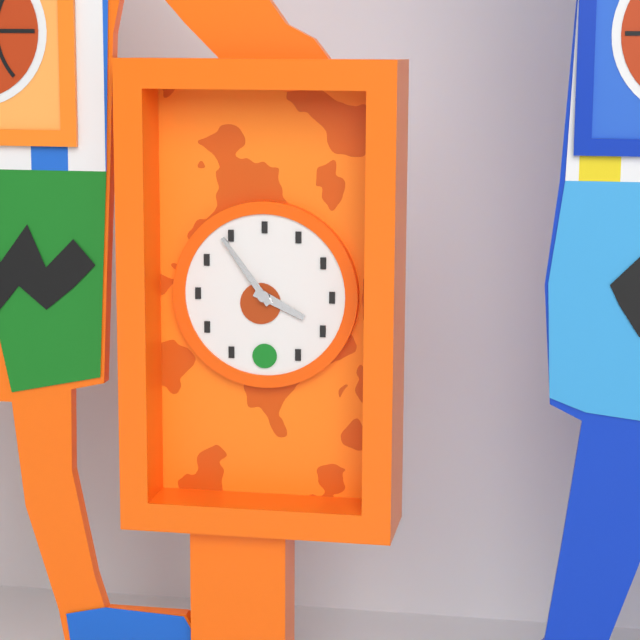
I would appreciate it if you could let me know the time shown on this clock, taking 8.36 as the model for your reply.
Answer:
3.54
